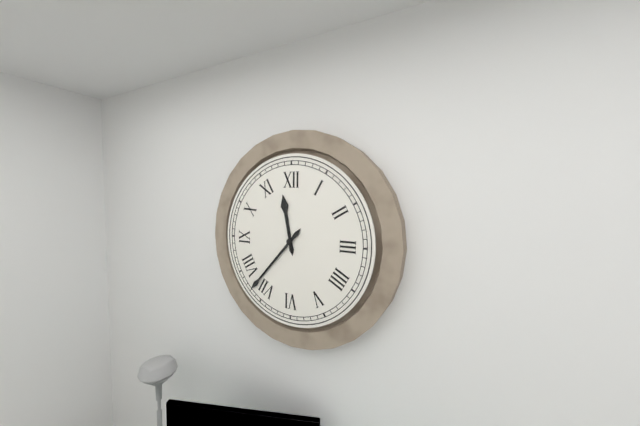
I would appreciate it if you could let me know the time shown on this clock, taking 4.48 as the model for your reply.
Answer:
11.37
